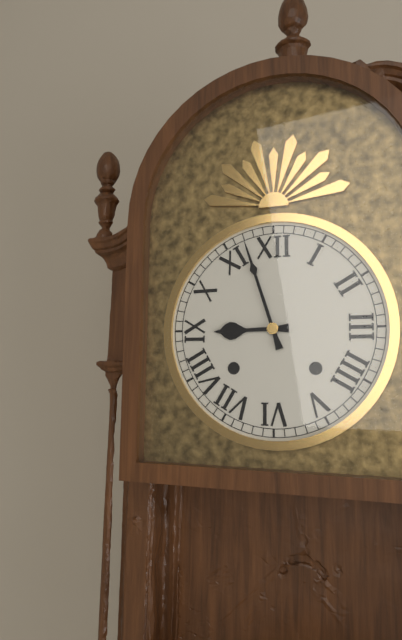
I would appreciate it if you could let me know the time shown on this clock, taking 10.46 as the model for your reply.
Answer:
8.57
